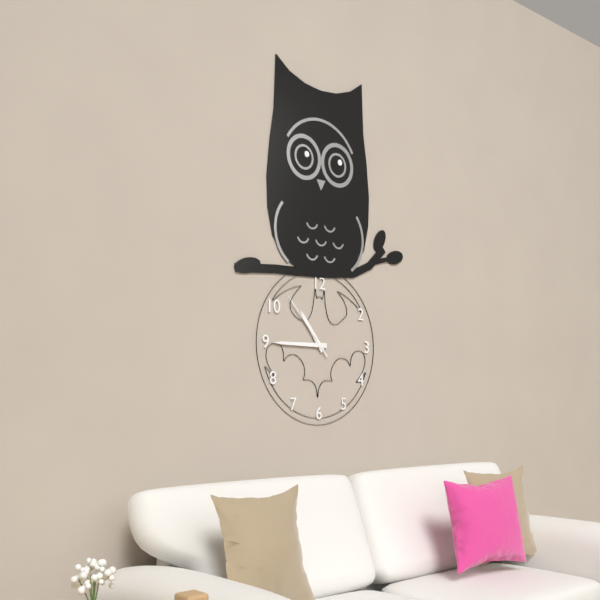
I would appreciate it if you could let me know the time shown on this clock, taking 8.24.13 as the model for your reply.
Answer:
10.45.53
